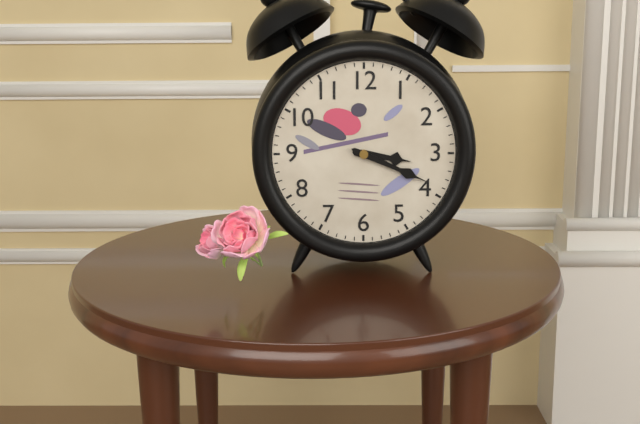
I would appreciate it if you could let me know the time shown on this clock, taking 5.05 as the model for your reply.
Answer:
3.19
